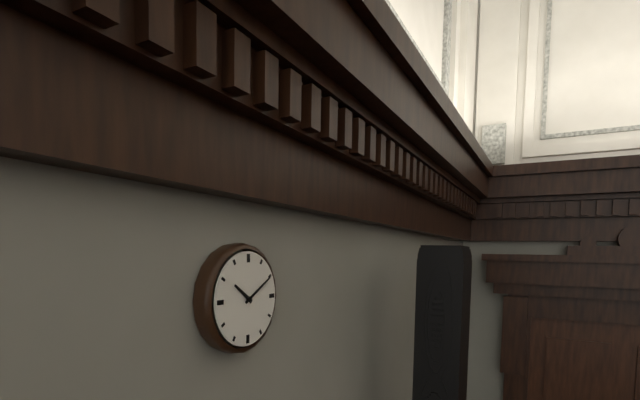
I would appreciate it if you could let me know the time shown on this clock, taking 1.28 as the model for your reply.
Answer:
10.10
